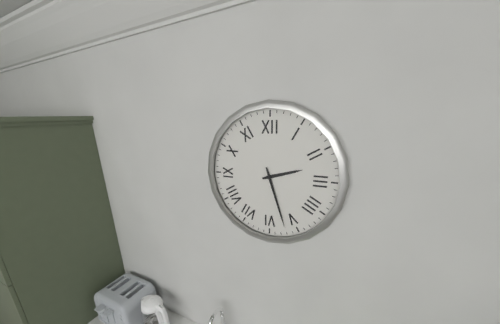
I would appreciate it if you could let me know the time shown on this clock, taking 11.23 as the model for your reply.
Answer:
2.27
